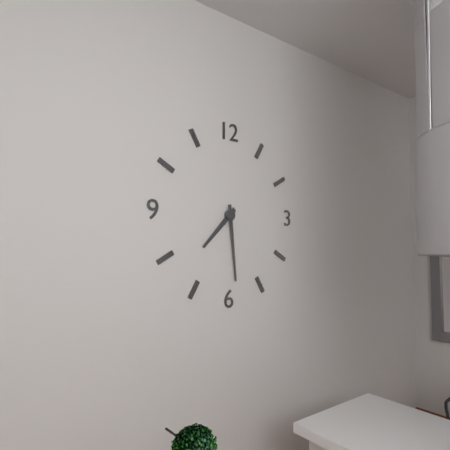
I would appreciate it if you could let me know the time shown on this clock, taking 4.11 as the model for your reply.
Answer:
7.29
